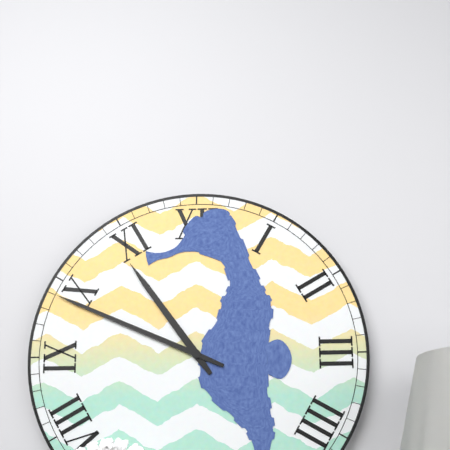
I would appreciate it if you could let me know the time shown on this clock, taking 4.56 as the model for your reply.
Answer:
10.49
